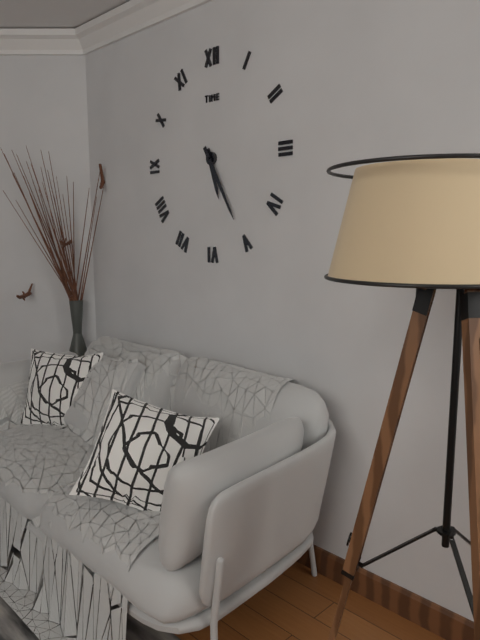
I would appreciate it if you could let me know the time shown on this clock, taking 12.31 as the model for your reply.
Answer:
5.25
